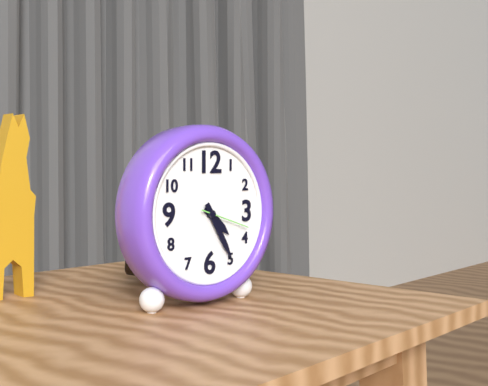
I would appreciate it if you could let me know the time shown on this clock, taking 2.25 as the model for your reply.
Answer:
4.25
